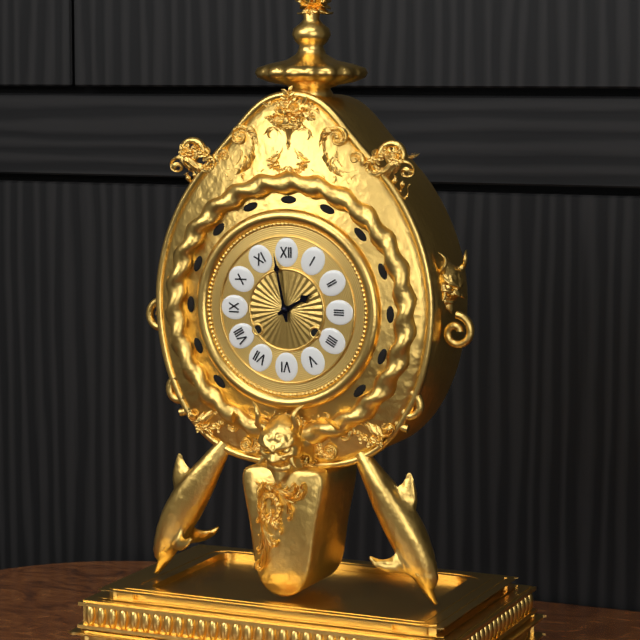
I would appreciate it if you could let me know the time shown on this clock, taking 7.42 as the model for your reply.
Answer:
1.58
